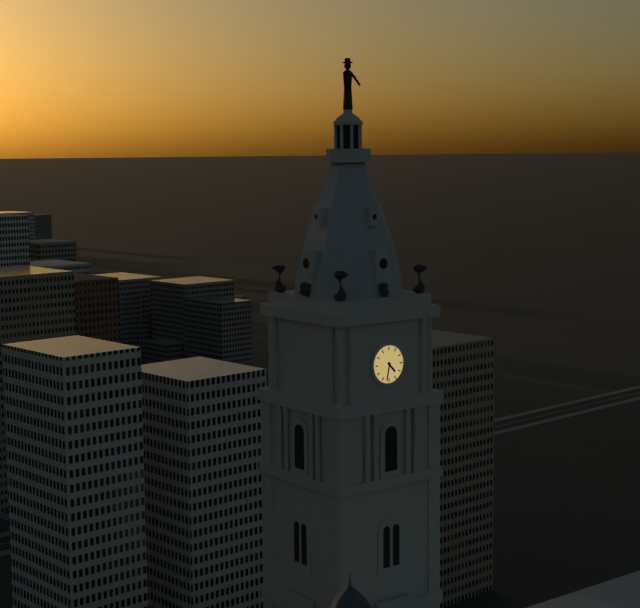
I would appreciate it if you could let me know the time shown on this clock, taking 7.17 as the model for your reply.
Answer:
4.32
